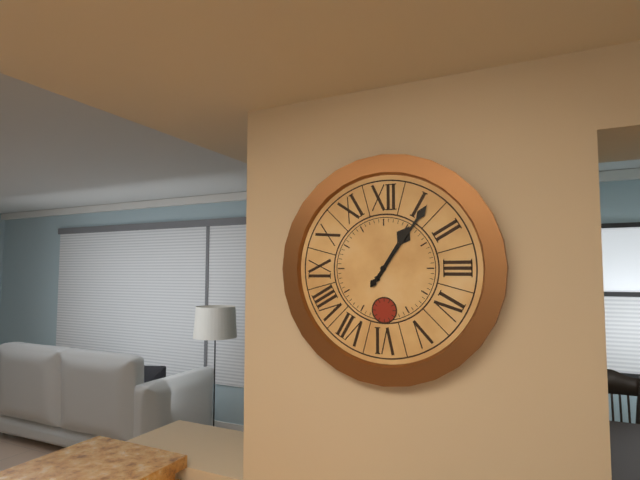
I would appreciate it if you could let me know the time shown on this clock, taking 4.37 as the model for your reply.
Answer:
1.06
